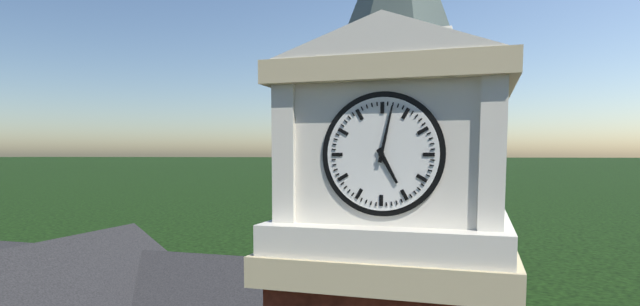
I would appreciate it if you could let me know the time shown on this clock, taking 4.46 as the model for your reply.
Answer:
5.02
